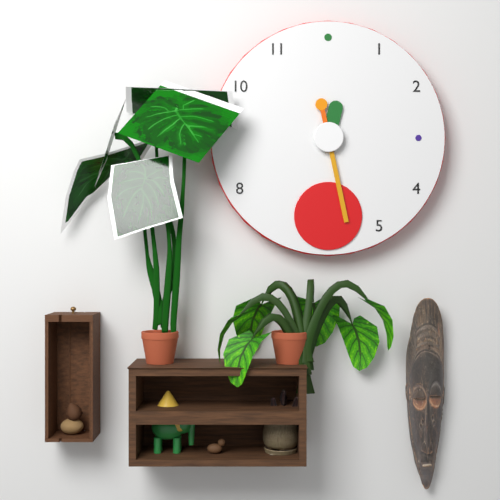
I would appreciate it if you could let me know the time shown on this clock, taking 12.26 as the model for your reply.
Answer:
12.28
